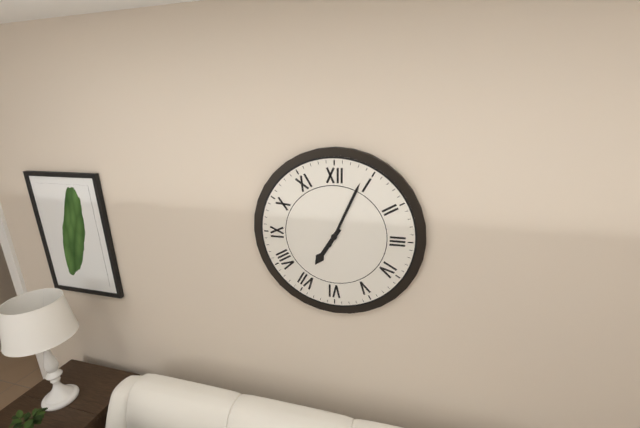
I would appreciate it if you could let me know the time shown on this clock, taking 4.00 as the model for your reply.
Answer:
7.04
